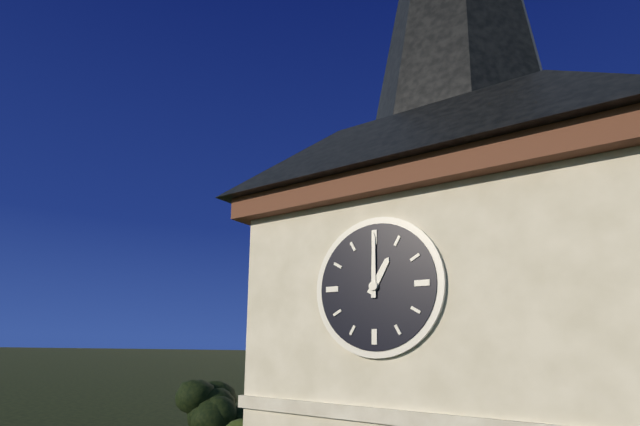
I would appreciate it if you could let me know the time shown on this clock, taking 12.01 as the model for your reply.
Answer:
1.00
